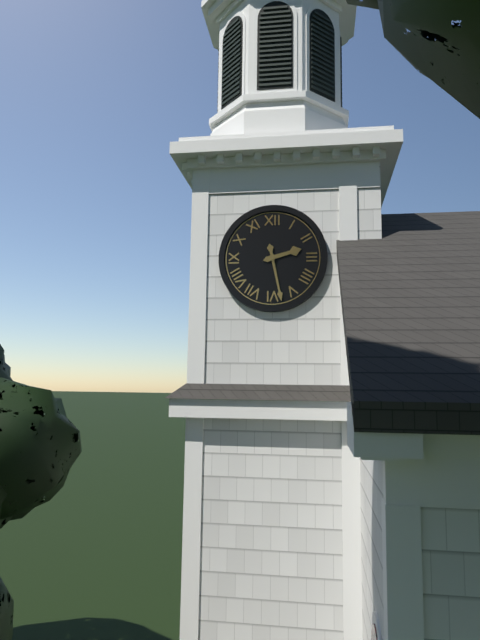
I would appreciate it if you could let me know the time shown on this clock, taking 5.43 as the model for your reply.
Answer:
2.28
